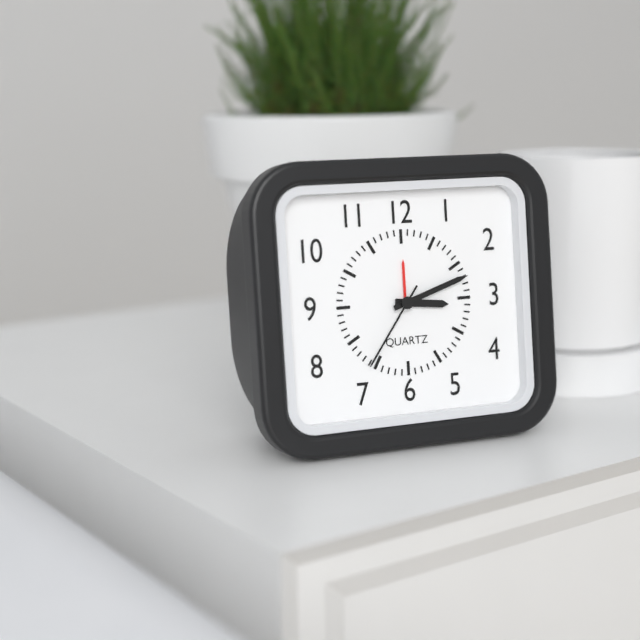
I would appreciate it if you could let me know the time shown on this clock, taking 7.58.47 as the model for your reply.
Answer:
3.12.36
